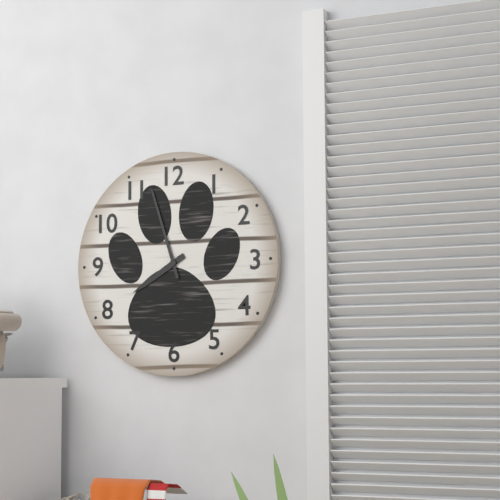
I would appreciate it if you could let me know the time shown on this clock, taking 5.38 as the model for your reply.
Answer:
7.57
